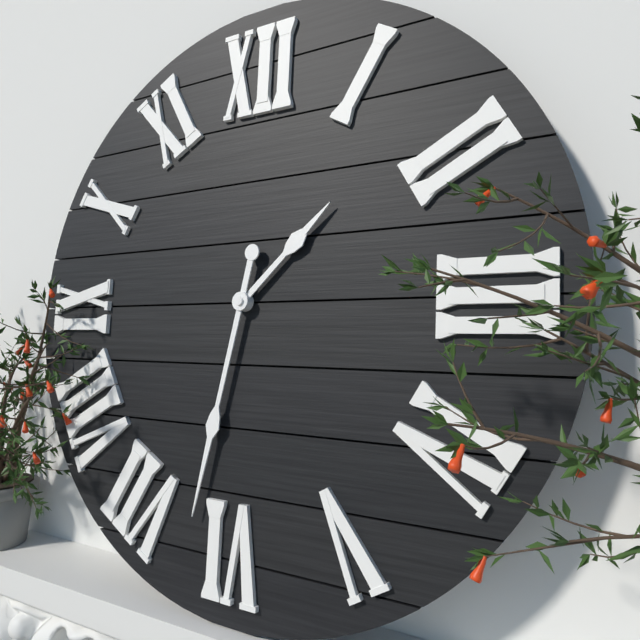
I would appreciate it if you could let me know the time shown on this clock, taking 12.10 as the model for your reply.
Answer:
1.32
